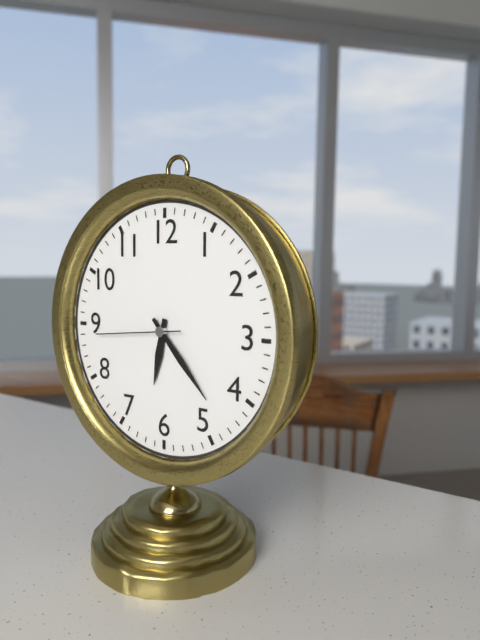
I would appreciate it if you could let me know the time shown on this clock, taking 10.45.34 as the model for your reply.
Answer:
6.23.44
